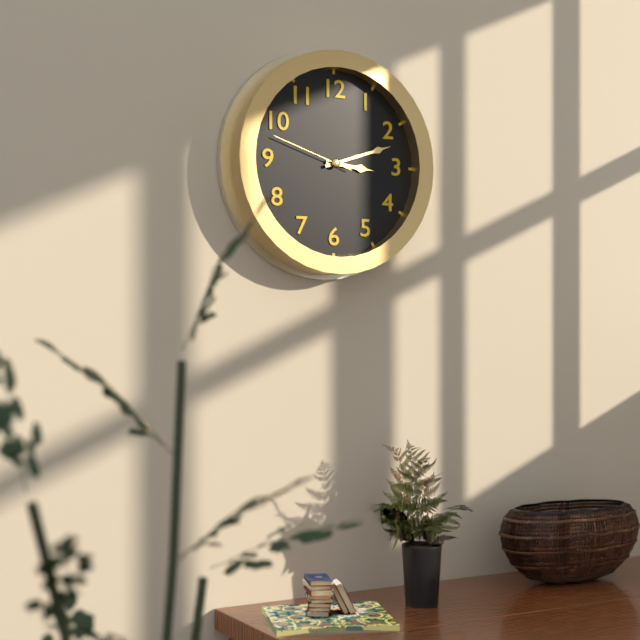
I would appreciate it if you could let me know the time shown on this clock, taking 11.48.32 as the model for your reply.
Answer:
3.12.48
